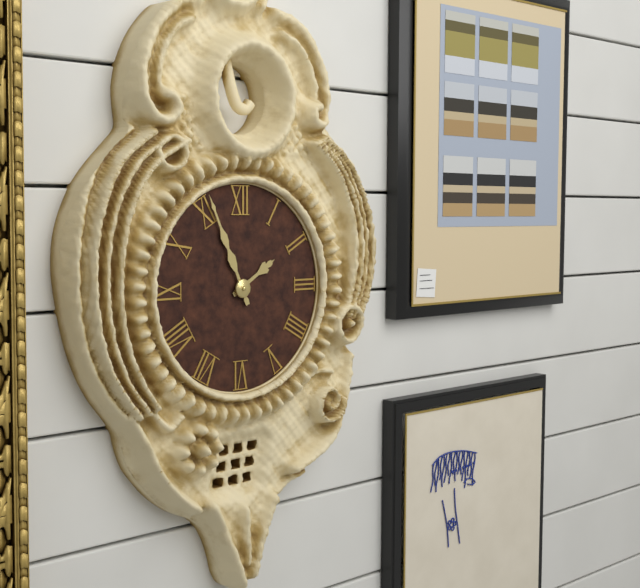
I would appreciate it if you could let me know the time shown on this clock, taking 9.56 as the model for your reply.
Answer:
1.56
